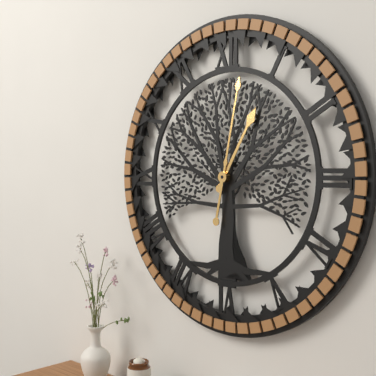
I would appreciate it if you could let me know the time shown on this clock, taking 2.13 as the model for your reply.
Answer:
1.02
